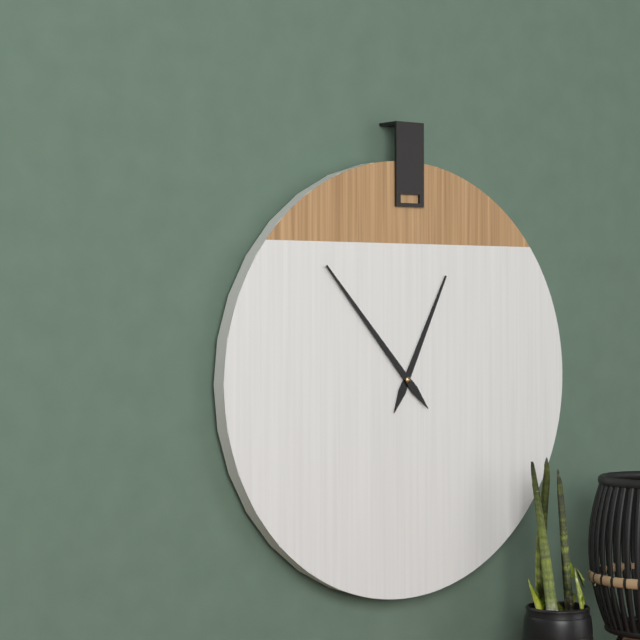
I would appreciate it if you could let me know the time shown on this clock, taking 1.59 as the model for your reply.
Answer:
12.53
